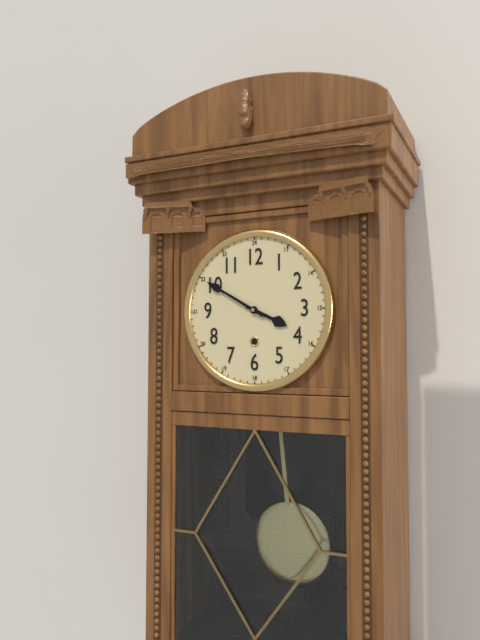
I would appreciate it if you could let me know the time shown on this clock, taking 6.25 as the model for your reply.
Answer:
3.50
